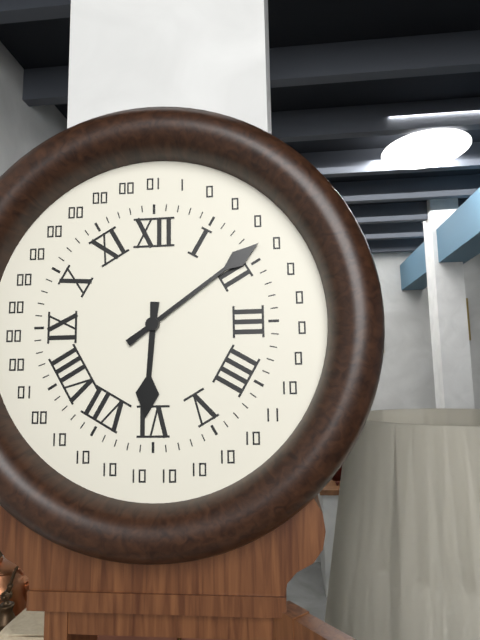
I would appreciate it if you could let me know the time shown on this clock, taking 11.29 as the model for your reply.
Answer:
6.09
